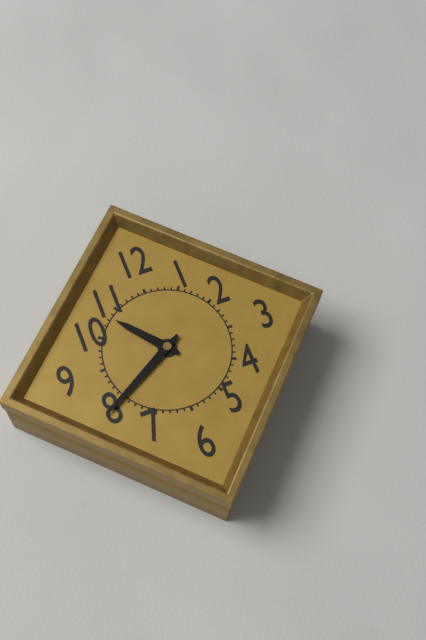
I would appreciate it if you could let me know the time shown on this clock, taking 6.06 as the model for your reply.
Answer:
10.40
